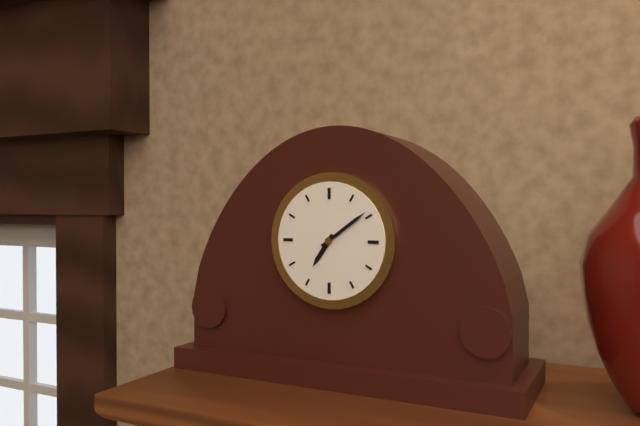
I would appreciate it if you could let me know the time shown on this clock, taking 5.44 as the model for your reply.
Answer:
7.09
